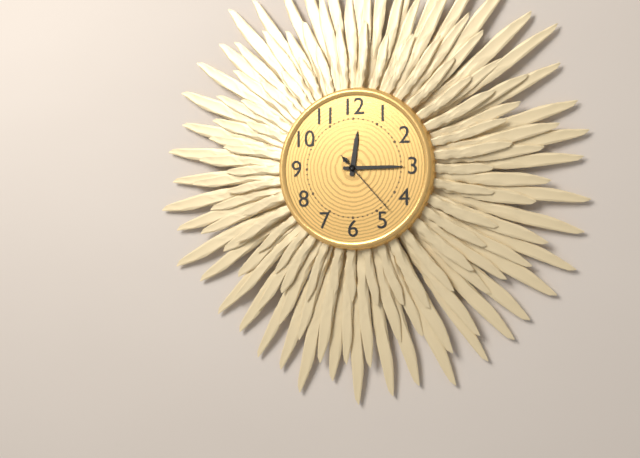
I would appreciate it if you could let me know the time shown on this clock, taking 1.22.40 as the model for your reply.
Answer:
12.15.23
